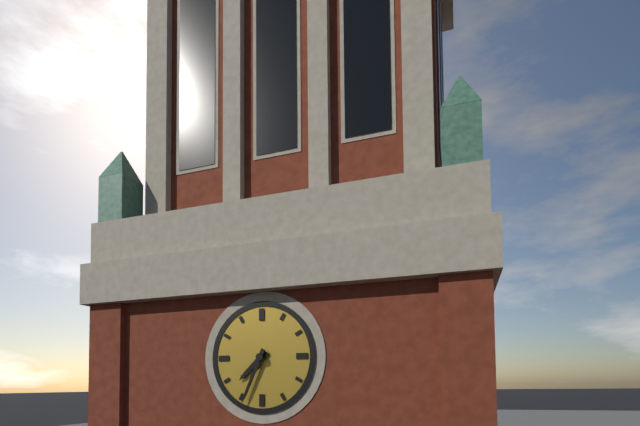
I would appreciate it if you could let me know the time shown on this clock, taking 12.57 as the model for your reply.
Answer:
7.34
